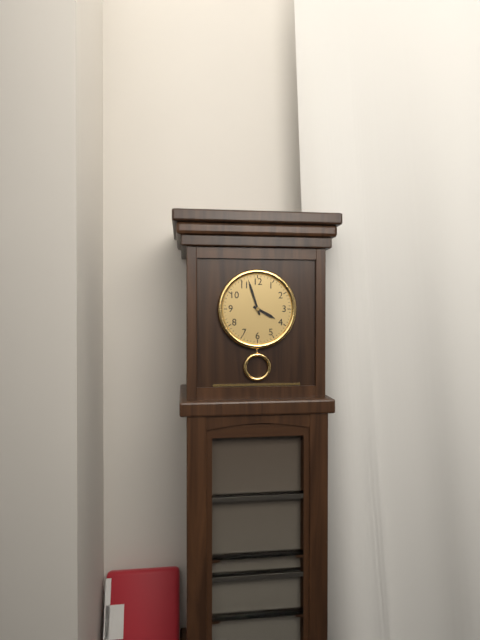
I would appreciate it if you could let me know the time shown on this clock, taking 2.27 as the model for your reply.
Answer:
3.57
